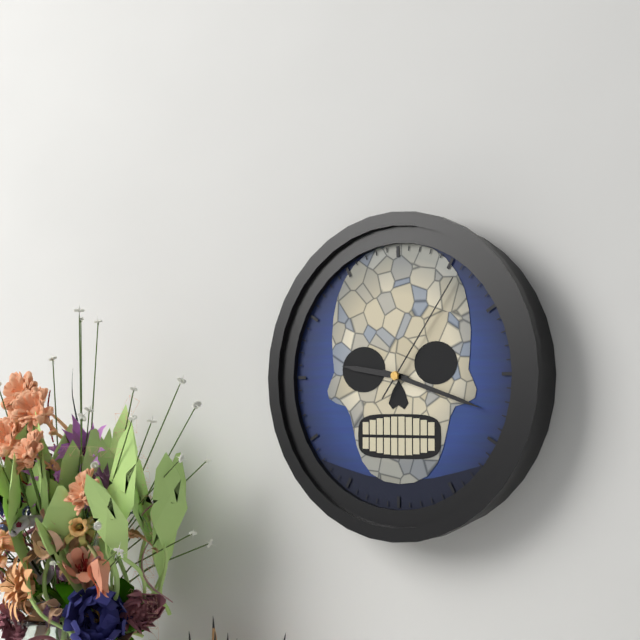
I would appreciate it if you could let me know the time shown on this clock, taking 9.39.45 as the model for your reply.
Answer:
9.18.06
